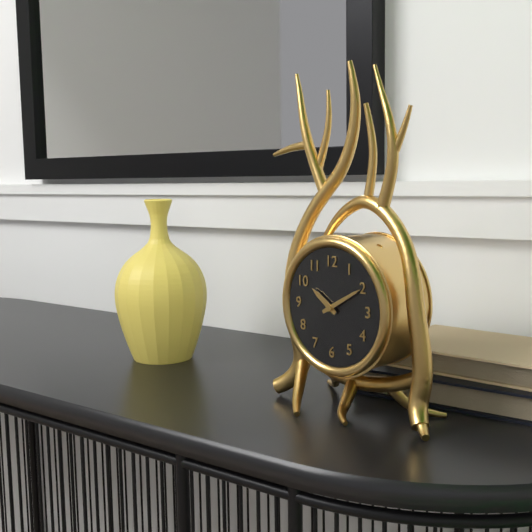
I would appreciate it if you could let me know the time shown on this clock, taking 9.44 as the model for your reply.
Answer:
10.10
